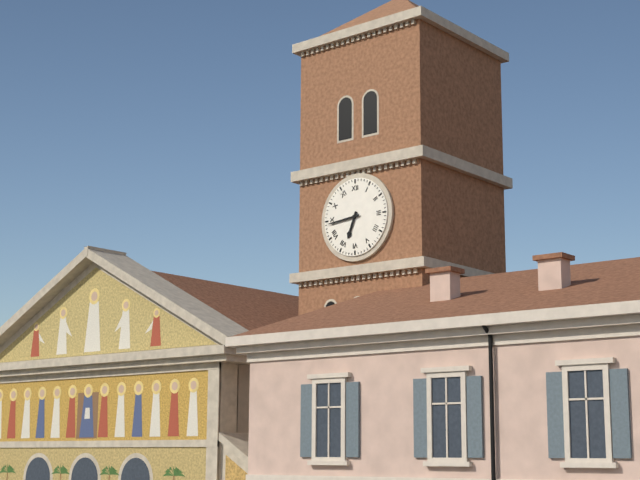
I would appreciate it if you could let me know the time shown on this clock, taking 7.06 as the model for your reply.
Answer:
6.44
